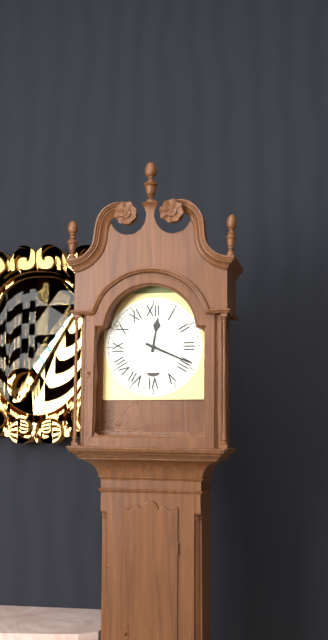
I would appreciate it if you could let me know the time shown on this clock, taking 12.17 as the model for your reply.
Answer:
12.19
